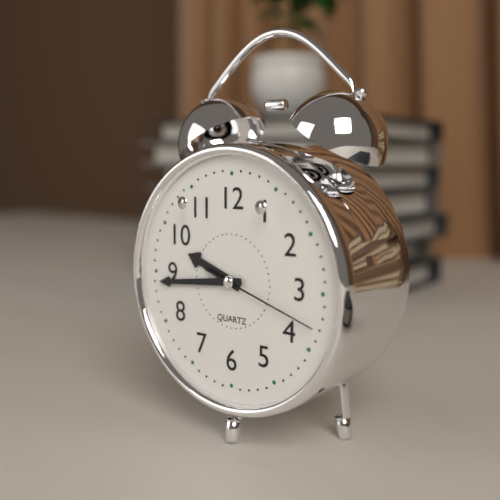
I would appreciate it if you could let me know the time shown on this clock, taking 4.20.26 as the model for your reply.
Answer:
9.44.18
